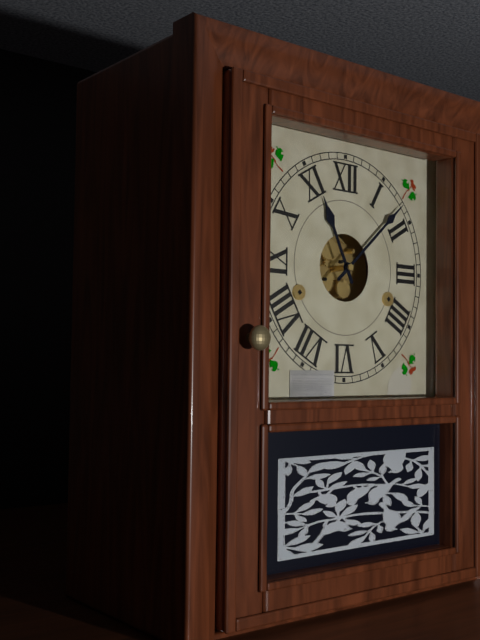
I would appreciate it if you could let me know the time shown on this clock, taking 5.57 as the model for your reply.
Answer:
11.08
